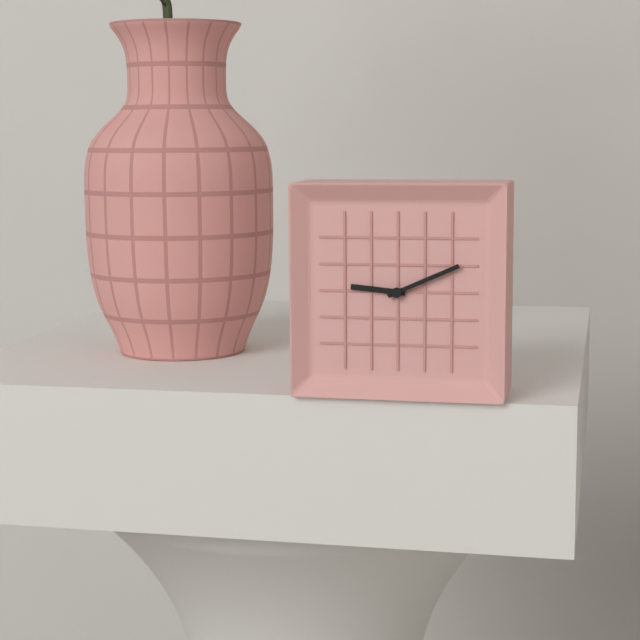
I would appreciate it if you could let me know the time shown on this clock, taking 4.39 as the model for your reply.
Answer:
9.11
